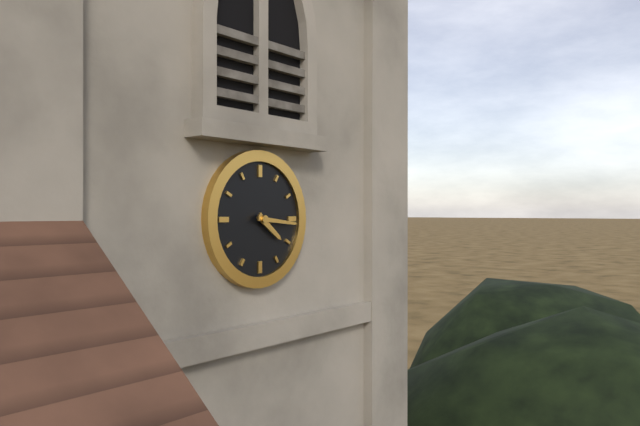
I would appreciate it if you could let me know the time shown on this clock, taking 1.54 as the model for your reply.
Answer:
4.16
